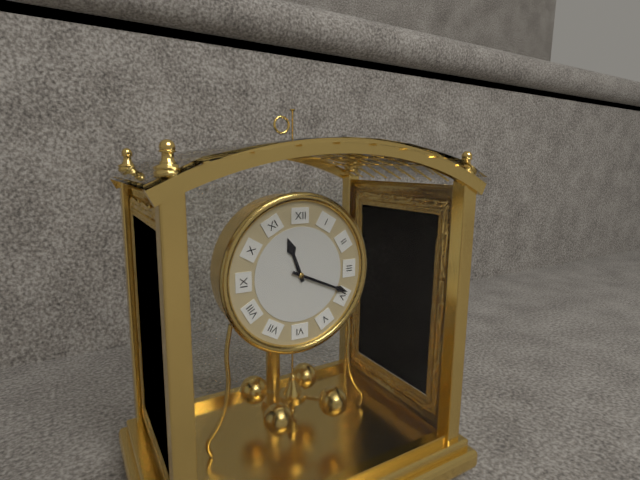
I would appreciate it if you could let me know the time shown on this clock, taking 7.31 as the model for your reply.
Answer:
11.19
